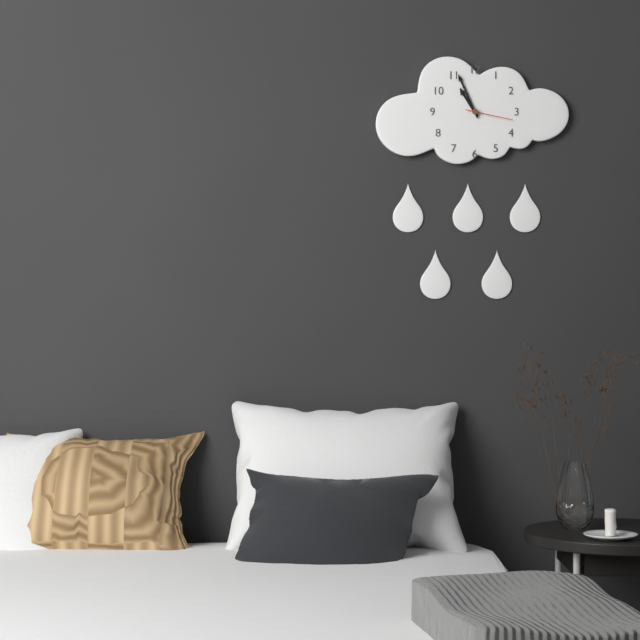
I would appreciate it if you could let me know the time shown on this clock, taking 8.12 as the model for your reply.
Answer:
10.56
